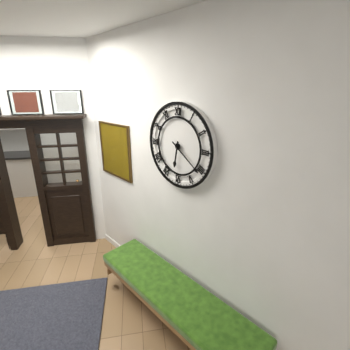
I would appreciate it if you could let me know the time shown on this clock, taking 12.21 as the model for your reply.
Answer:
6.21
